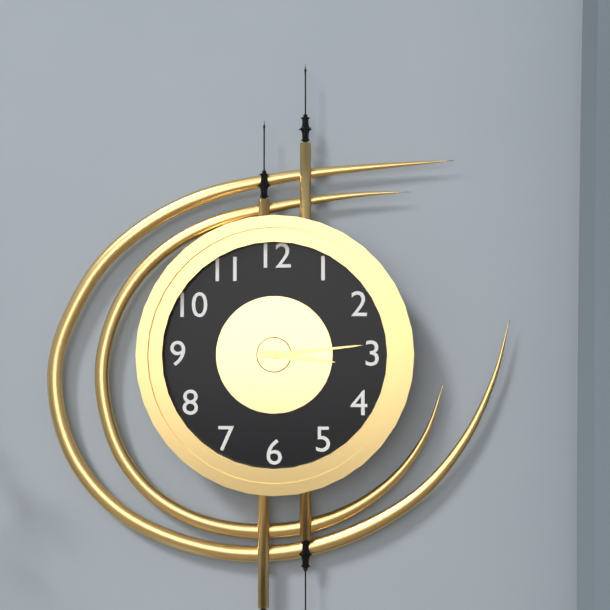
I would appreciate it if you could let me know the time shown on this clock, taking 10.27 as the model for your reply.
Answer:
3.14
